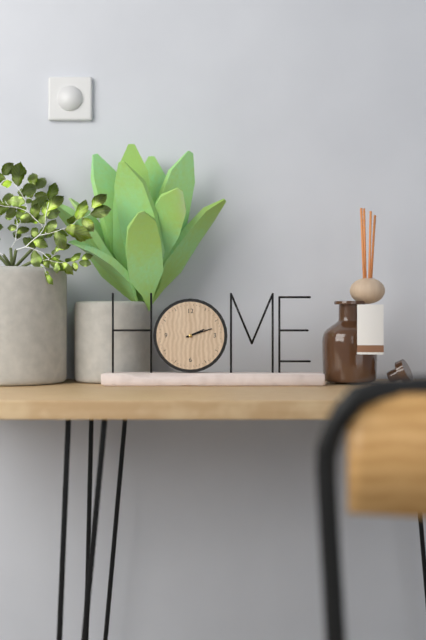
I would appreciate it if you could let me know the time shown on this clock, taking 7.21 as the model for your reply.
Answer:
2.12
